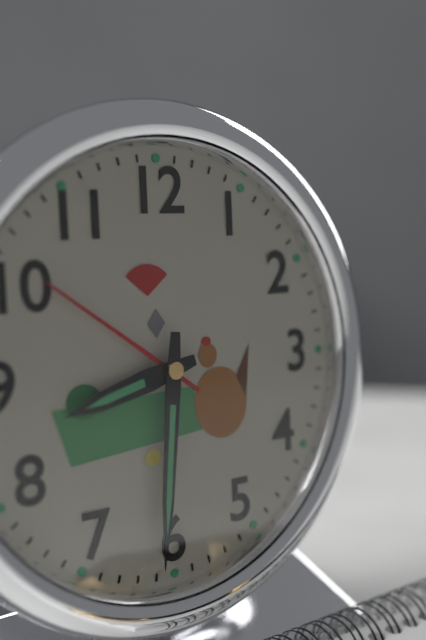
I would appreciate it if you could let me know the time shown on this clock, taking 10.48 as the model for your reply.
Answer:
8.31
